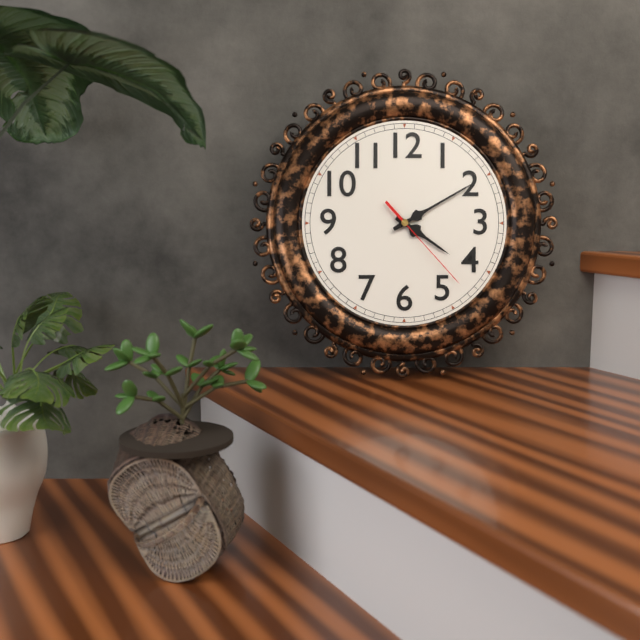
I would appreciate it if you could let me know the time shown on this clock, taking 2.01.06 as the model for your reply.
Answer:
4.10.23
